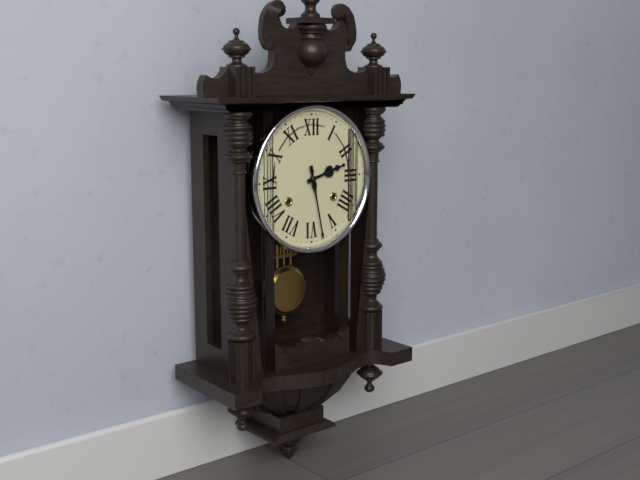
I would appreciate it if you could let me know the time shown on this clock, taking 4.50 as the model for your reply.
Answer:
2.28
